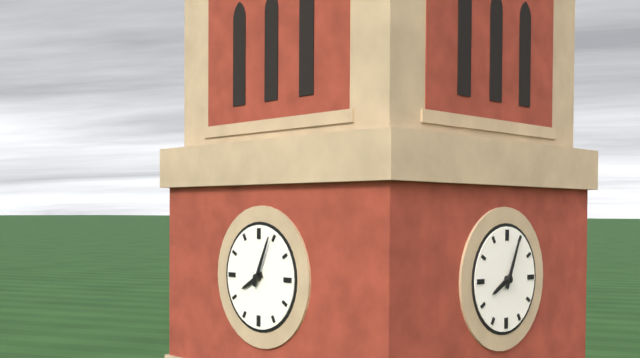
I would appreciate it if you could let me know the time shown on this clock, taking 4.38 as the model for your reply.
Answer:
8.04
